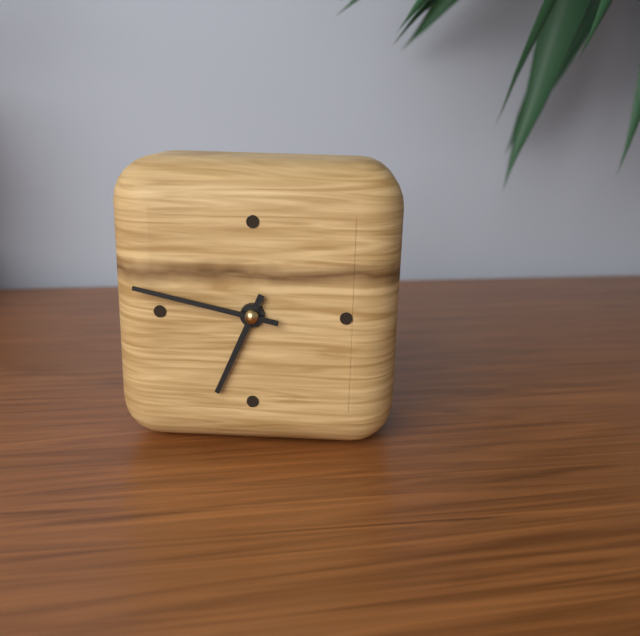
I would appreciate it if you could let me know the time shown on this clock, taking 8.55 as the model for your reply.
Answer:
6.47
